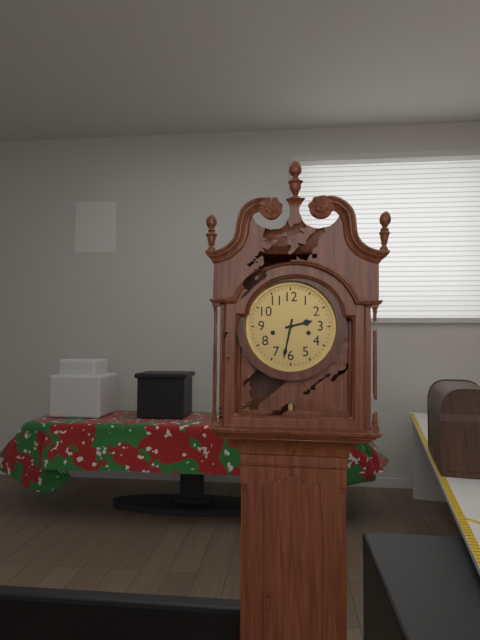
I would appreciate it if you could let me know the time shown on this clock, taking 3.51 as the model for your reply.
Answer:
2.32
